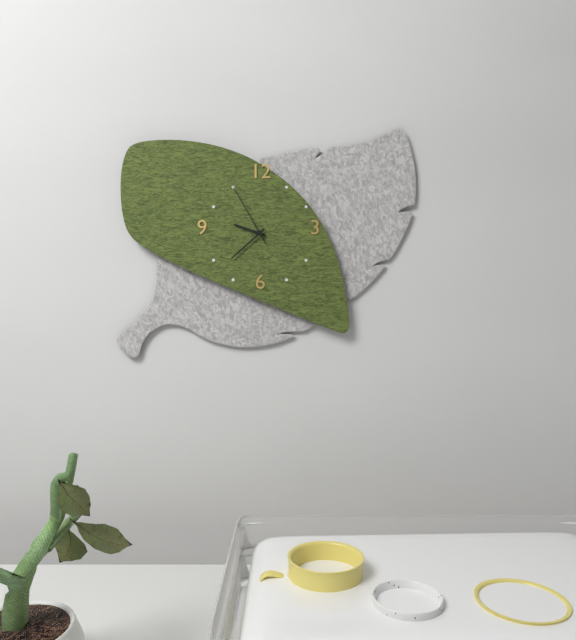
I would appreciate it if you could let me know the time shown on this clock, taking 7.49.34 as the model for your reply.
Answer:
9.38.55
